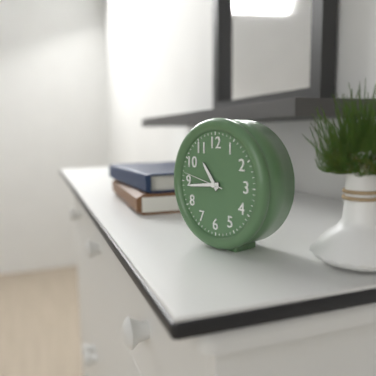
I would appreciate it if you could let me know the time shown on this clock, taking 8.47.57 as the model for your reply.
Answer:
10.44.47
